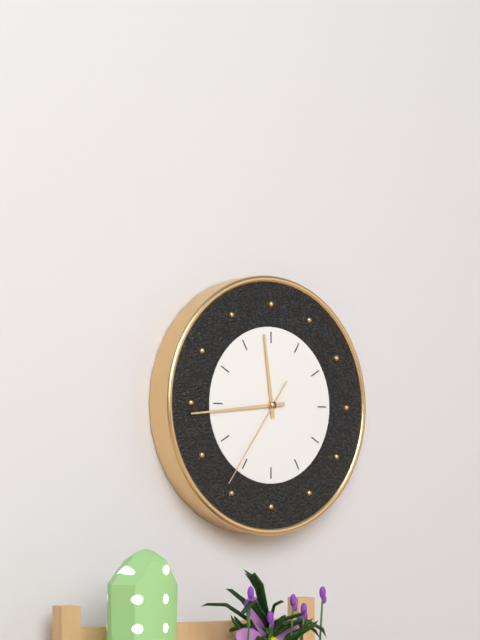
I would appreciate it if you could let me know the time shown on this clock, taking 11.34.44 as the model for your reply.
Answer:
11.44.36
